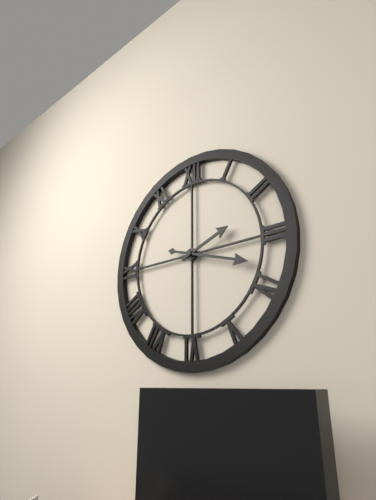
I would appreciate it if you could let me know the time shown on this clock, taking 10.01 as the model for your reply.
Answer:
2.18
